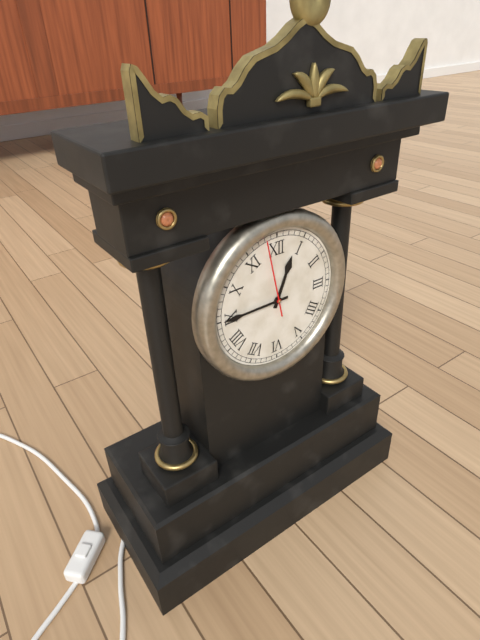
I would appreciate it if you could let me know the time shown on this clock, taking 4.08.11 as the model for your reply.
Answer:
12.45.58
